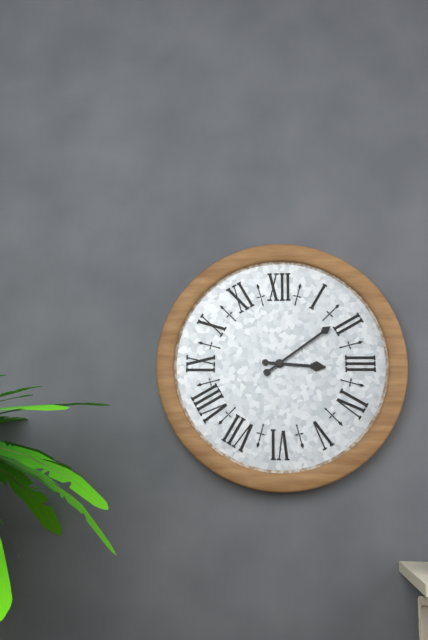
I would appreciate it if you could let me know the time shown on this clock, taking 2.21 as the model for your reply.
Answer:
3.09
